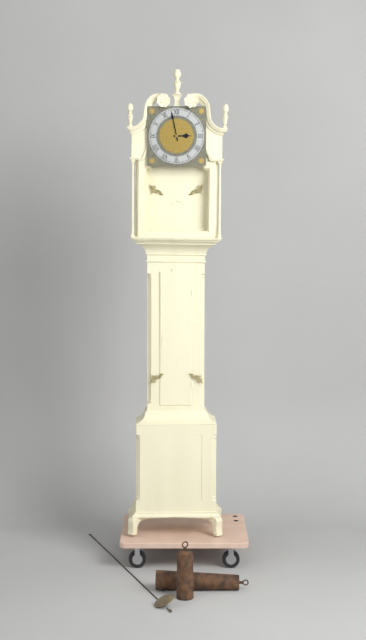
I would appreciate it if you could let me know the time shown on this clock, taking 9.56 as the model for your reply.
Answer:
2.58
